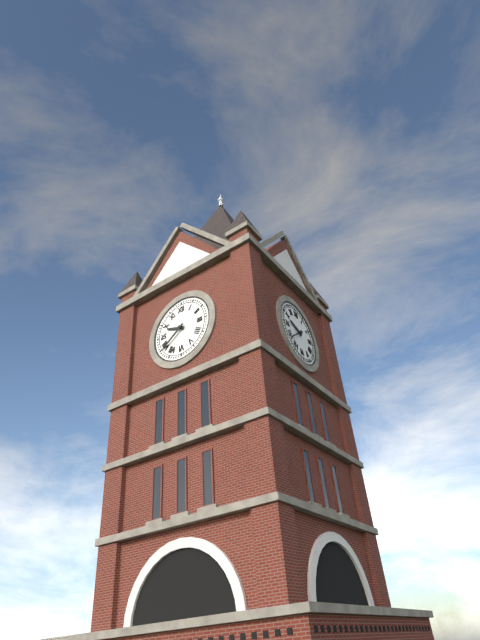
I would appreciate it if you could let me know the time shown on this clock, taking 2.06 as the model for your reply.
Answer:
9.39
